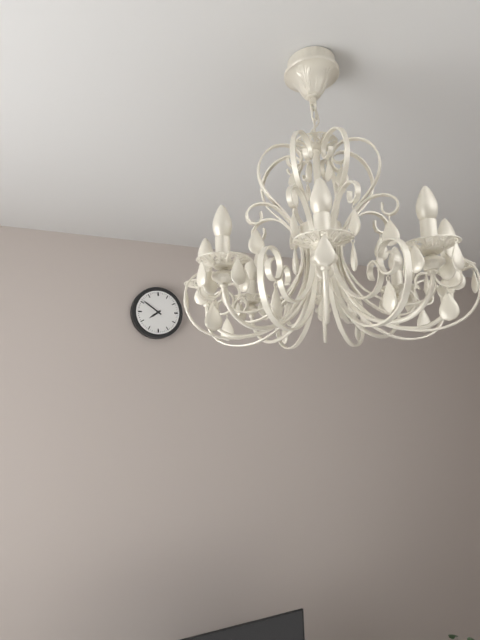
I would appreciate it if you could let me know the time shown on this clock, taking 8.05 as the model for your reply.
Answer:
7.51
